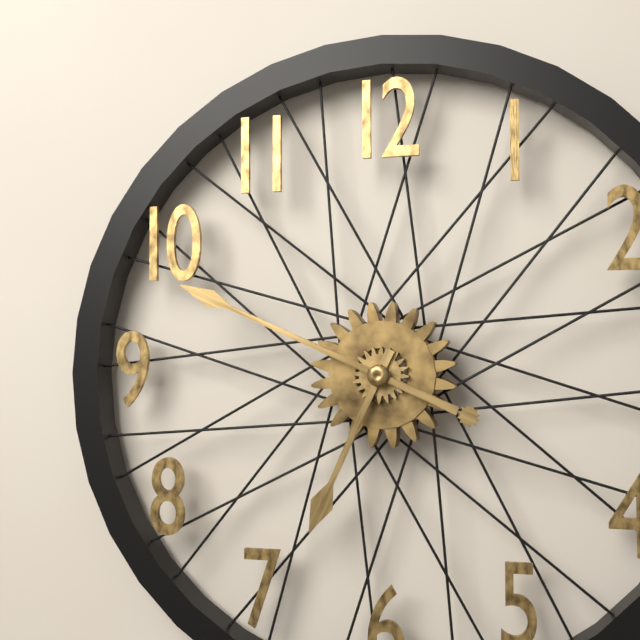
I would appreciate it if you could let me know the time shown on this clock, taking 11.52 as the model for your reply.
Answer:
6.49
